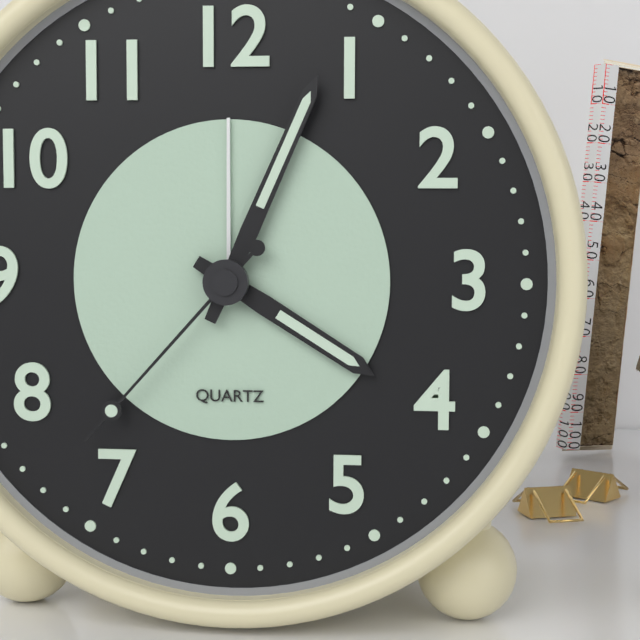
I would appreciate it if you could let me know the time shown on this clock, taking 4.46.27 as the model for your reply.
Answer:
4.04.37
